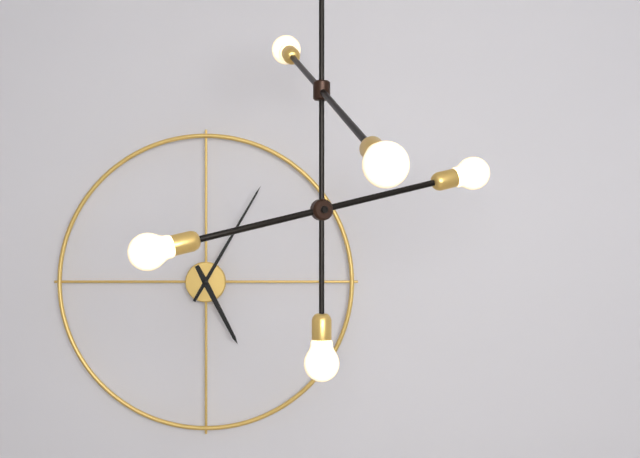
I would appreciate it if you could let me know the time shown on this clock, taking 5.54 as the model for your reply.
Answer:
5.05
